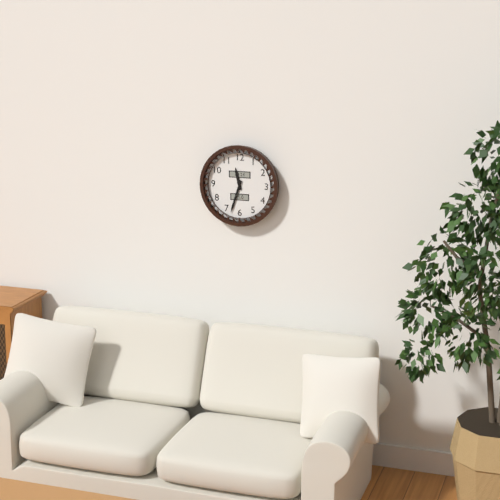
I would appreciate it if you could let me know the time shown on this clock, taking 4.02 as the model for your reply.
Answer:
11.33
